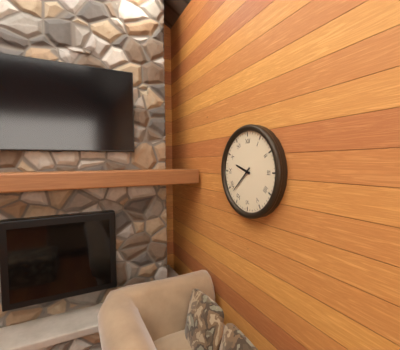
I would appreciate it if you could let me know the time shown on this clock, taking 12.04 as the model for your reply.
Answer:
9.38
